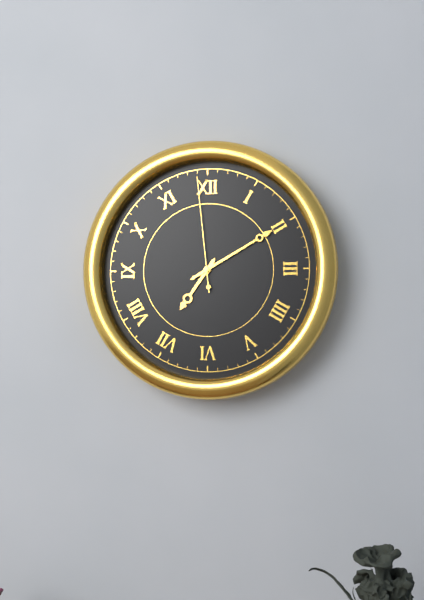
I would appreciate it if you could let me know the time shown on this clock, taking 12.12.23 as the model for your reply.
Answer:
7.10.59
